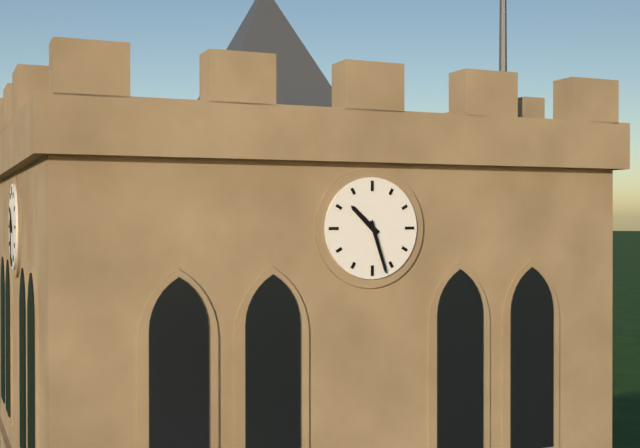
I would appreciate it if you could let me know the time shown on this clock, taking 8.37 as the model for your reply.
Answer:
10.27
